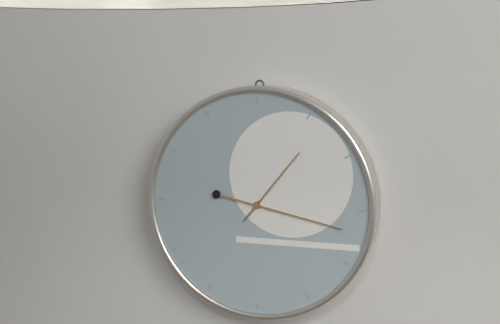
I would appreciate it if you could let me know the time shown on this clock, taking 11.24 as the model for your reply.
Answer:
1.17
